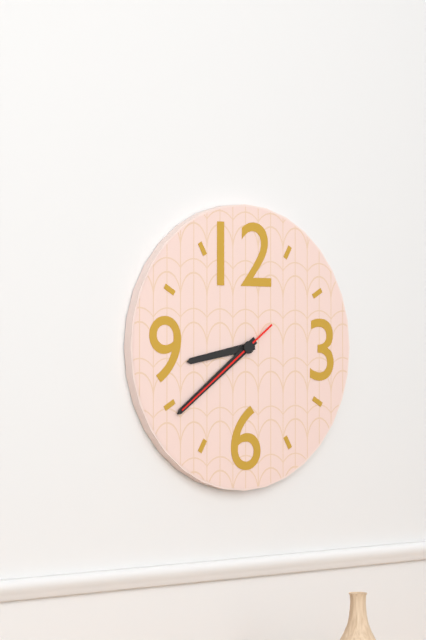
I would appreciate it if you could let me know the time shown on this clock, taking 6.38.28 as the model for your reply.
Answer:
8.39.39
